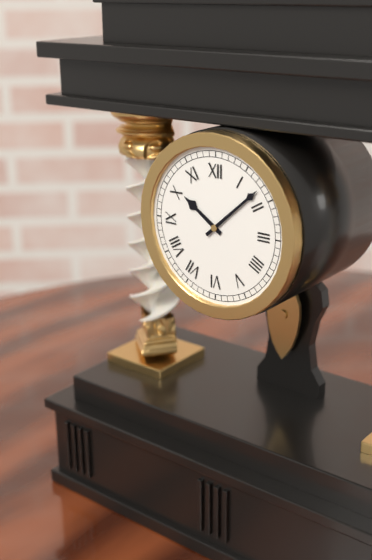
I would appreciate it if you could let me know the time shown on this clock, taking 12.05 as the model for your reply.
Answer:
10.08
